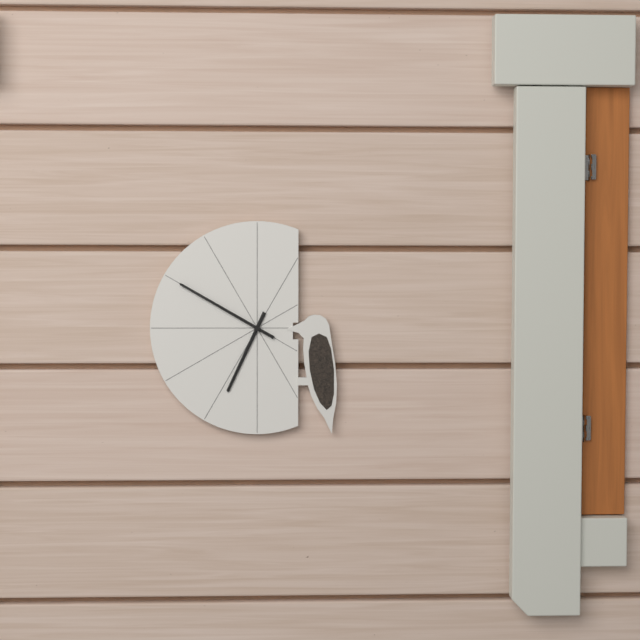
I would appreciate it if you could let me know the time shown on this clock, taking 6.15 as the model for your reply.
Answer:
6.50
